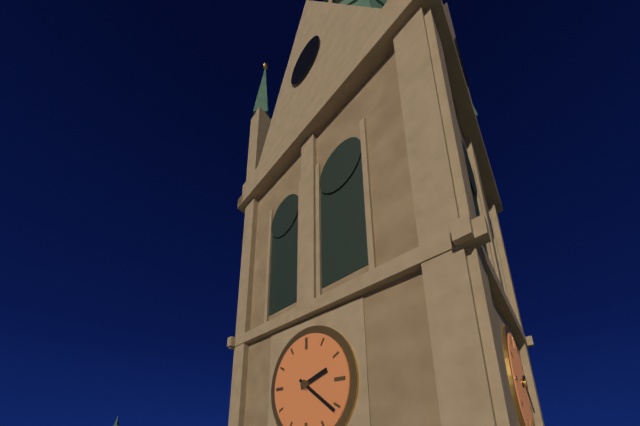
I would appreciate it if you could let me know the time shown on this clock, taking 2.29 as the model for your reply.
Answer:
2.21
